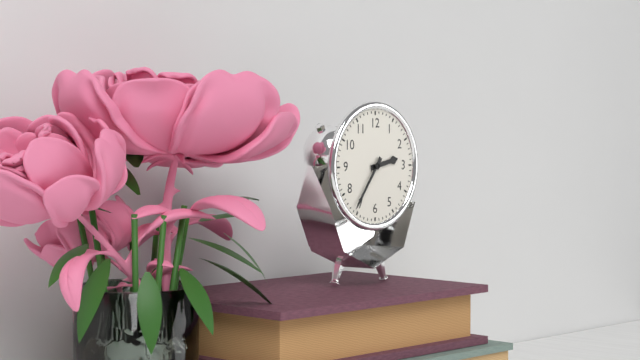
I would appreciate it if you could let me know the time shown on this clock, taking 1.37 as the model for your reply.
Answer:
2.36
